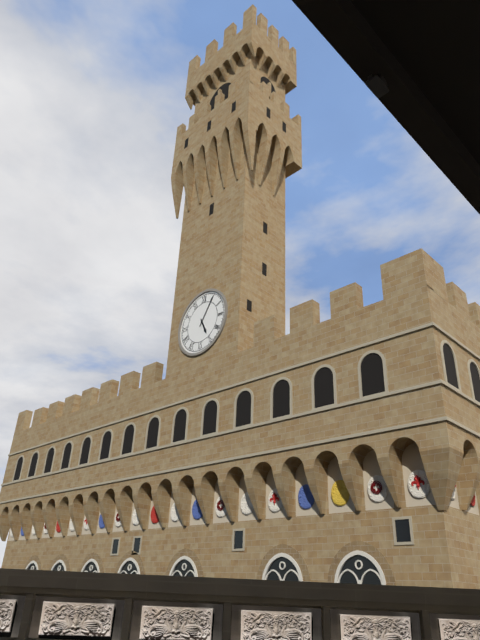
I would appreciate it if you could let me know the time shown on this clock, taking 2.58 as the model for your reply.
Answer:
5.05
